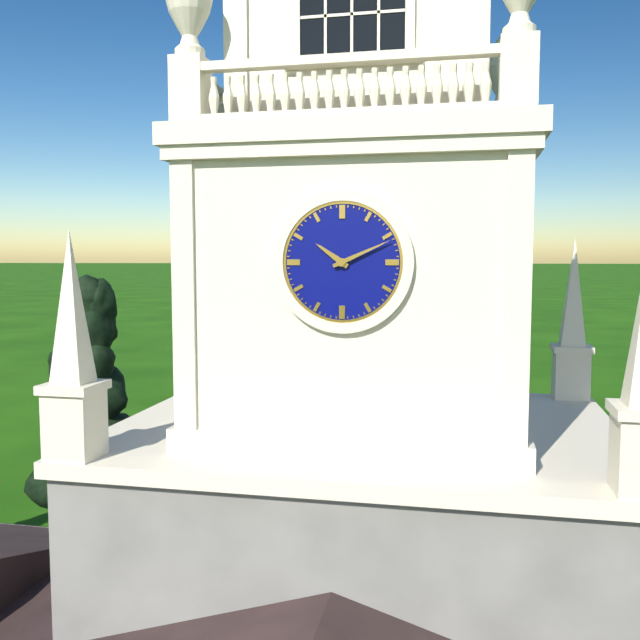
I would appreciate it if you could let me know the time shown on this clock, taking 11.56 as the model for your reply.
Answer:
10.11
